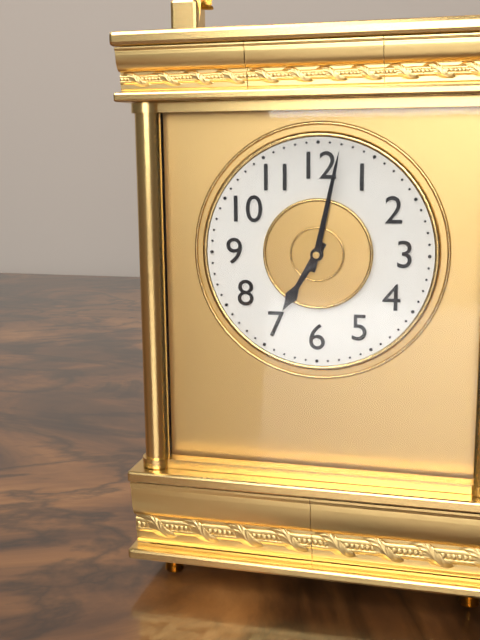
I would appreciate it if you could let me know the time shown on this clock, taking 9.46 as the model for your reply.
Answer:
7.02
